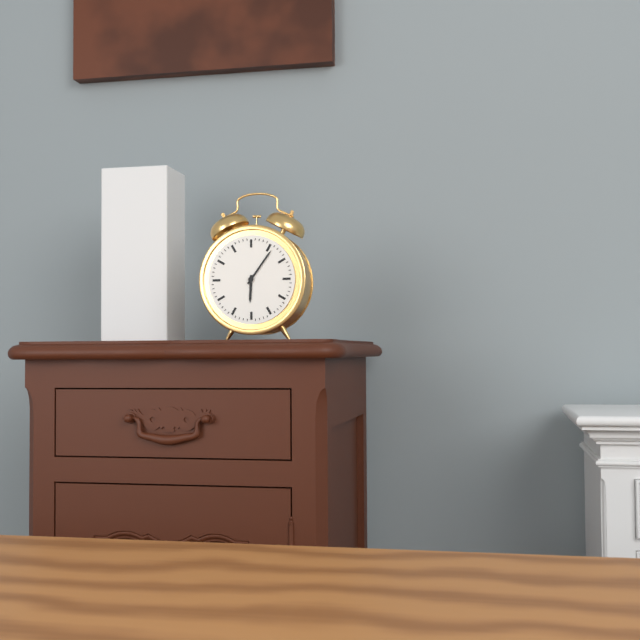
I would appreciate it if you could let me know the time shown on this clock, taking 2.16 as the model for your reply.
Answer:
6.06
